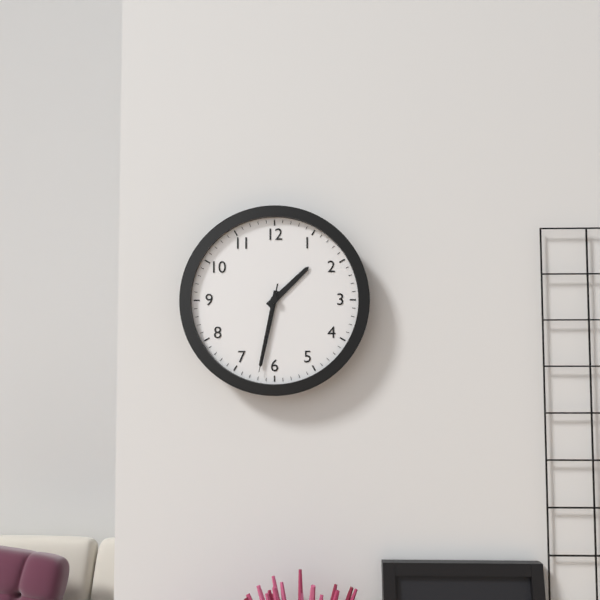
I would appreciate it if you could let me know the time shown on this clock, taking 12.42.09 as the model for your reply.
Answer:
1.32.32
